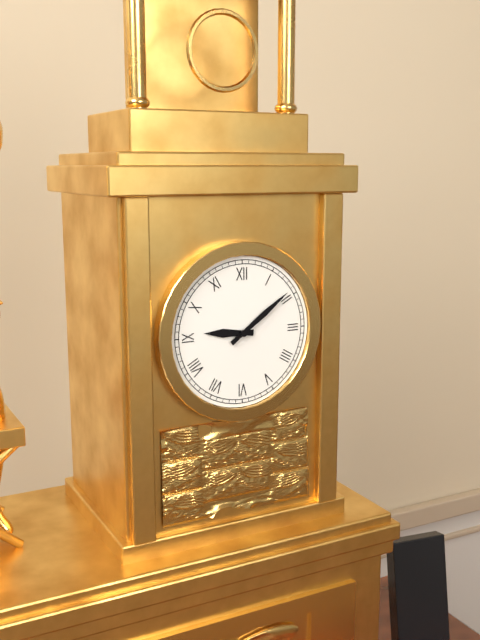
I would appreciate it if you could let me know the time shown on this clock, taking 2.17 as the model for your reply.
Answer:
9.09
